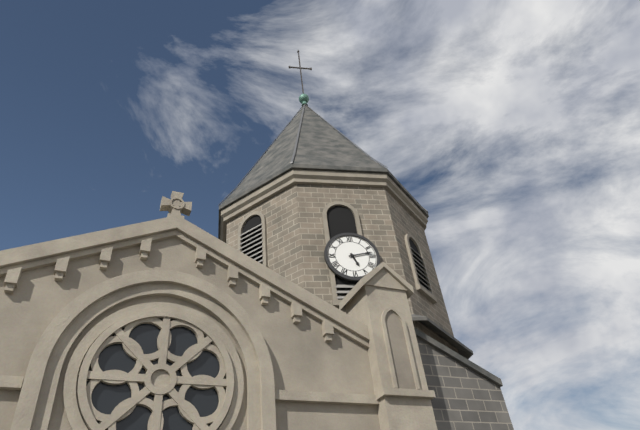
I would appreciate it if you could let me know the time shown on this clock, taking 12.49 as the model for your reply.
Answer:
5.13
